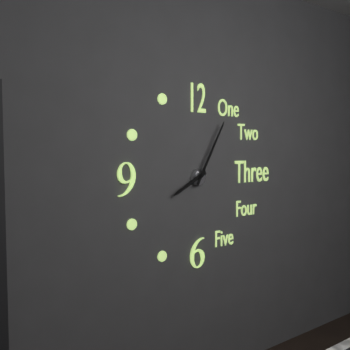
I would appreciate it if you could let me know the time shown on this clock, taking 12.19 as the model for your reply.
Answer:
8.05
